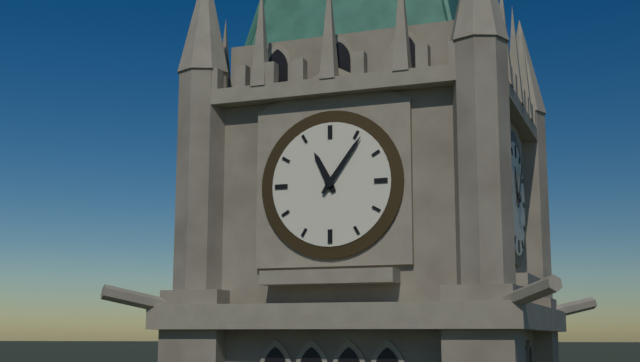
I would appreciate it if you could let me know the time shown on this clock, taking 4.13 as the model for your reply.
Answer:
11.06
